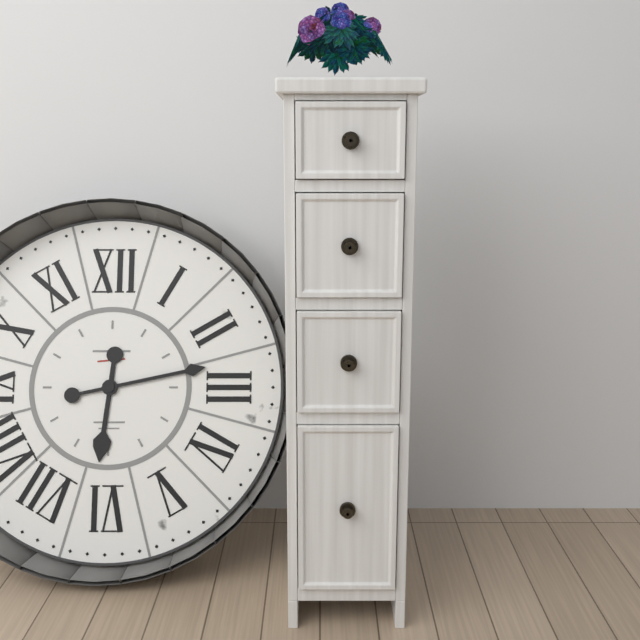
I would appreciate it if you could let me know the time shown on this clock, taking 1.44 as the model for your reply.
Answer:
6.13
